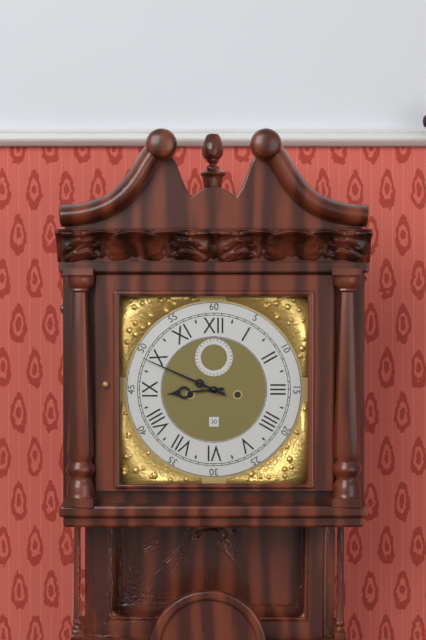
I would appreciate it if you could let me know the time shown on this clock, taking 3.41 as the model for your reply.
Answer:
8.49
